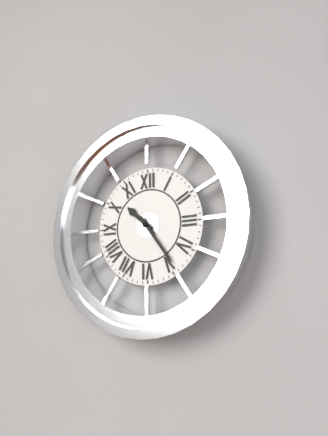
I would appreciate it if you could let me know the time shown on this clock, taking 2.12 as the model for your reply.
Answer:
10.24
